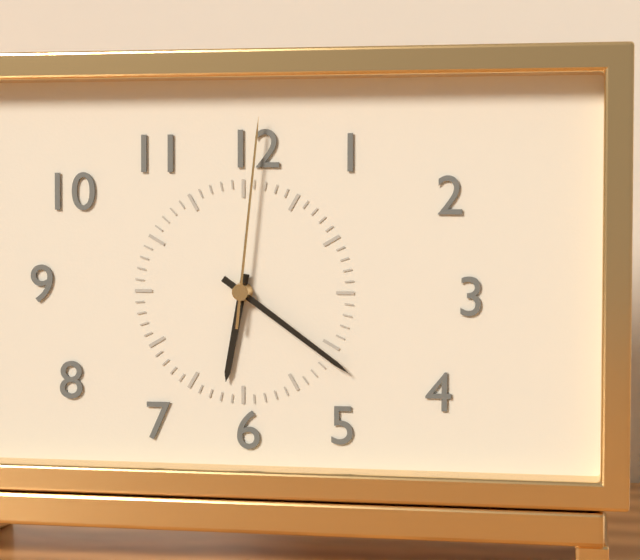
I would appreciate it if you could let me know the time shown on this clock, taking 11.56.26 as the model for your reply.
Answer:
6.21.01
